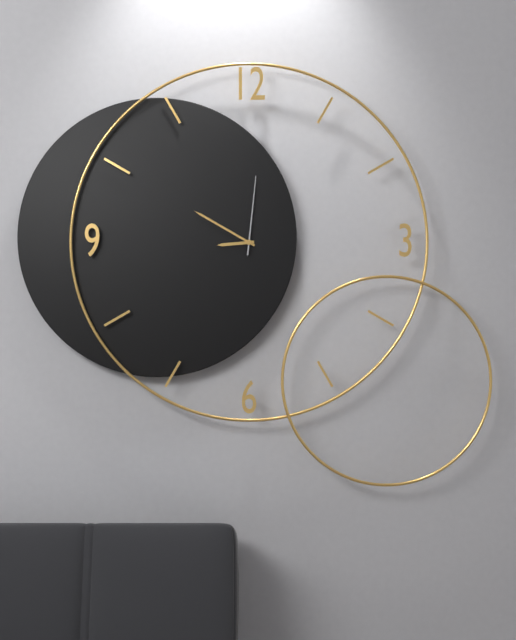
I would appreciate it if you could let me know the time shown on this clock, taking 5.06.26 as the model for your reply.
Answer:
8.50.01
